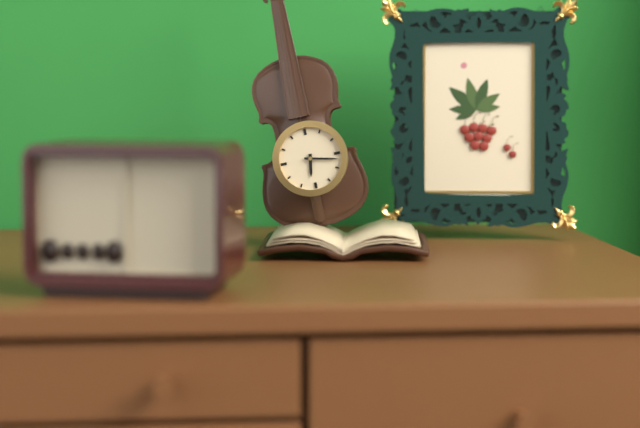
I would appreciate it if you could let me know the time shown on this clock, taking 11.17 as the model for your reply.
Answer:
6.17
